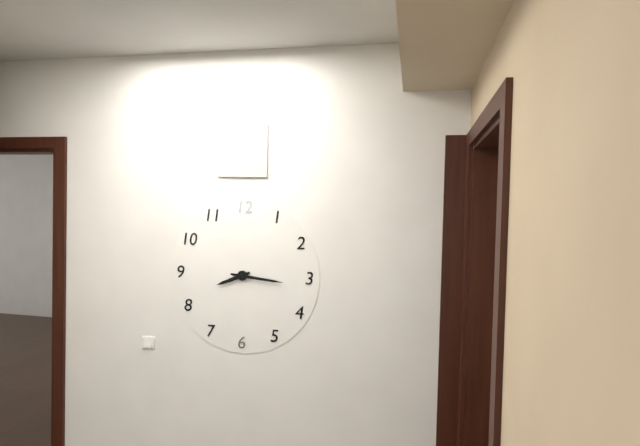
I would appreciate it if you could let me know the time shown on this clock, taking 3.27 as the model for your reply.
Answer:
8.16
